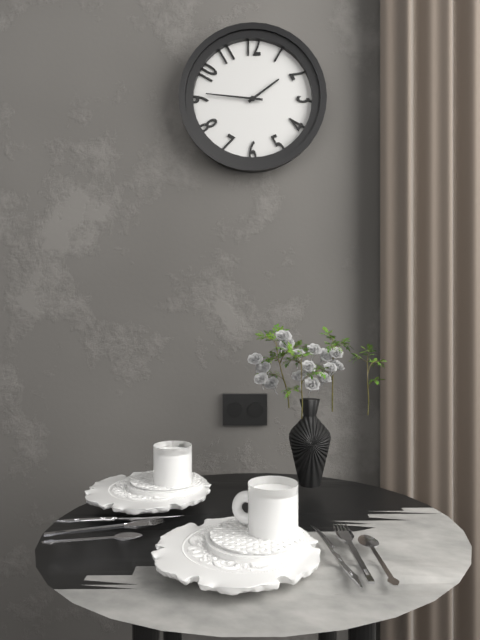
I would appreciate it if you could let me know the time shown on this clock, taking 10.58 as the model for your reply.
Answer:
1.46
